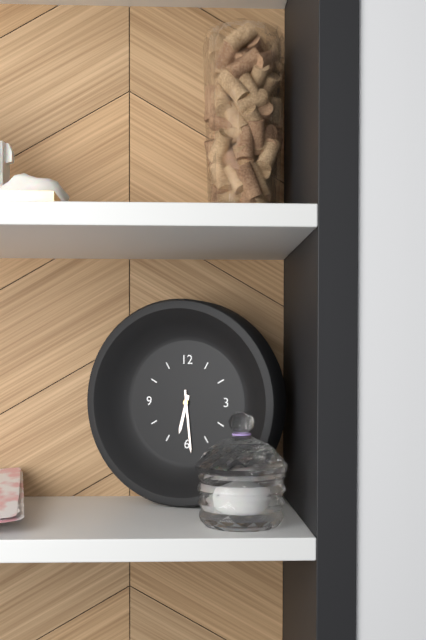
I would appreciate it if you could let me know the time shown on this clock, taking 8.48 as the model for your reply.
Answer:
6.29
